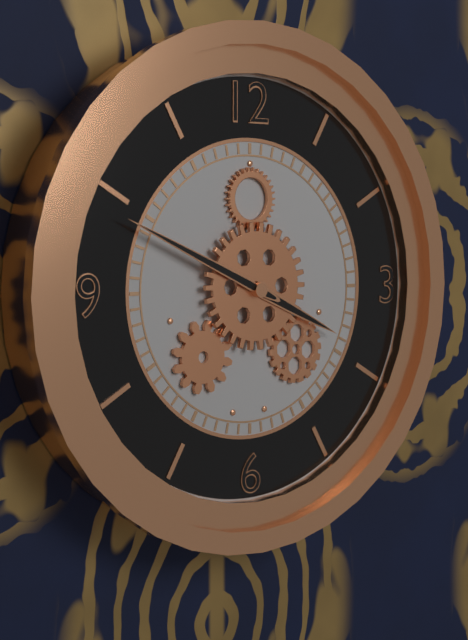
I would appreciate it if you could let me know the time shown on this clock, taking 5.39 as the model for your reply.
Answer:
3.49
